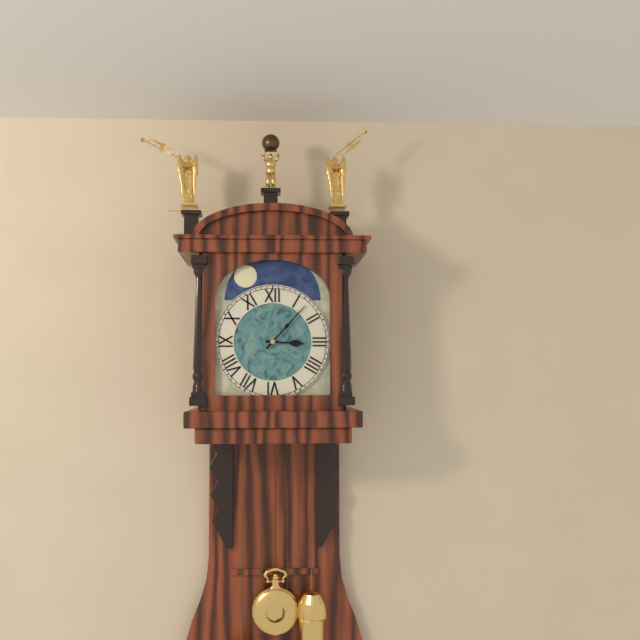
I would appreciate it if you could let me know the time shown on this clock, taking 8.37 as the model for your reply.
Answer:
3.07
